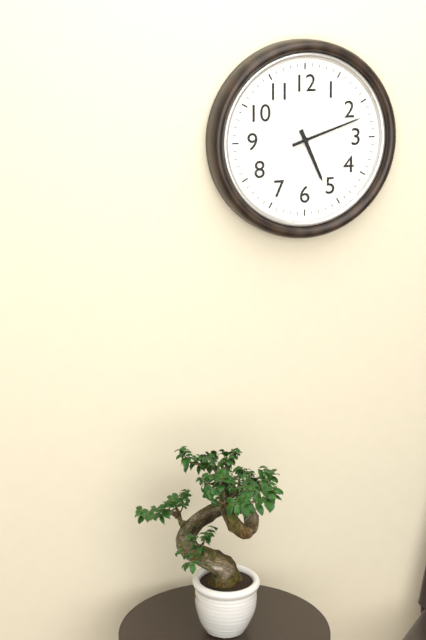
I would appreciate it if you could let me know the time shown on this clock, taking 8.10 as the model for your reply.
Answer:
5.12
